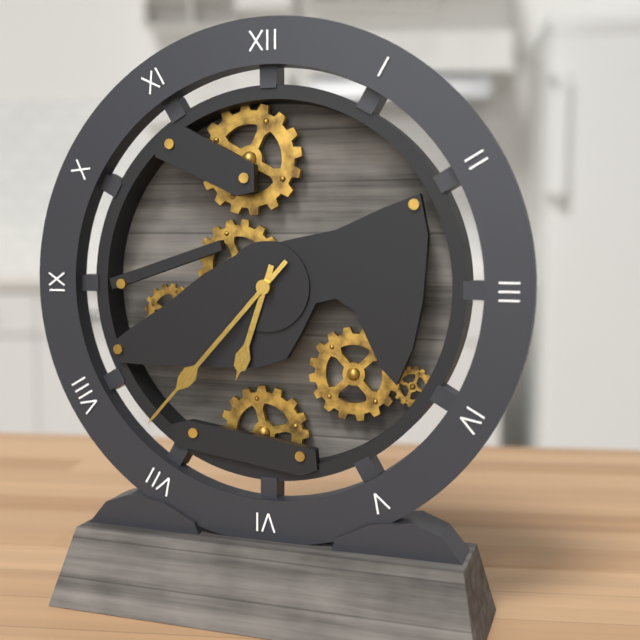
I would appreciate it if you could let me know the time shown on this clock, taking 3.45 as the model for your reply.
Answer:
6.37
